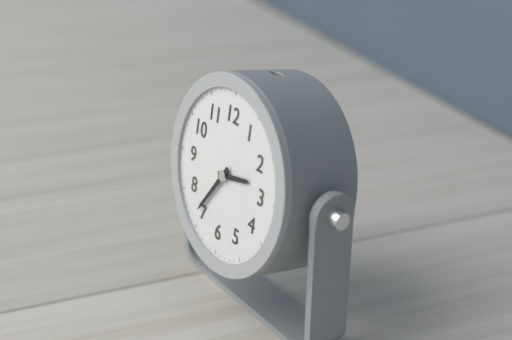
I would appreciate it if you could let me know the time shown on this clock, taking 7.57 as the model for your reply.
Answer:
2.36
